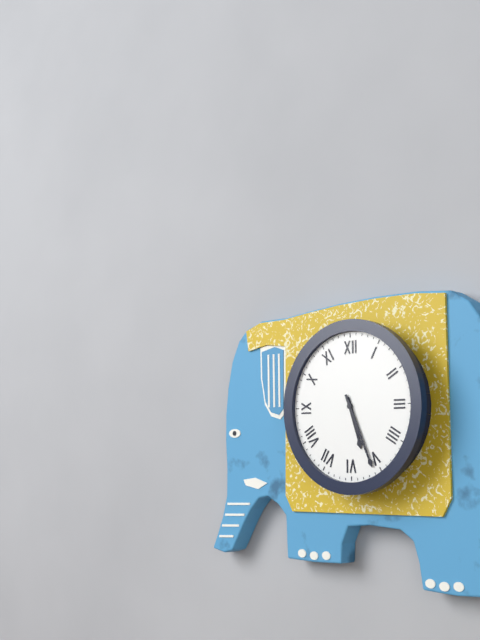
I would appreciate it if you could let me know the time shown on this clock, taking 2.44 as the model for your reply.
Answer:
5.26
